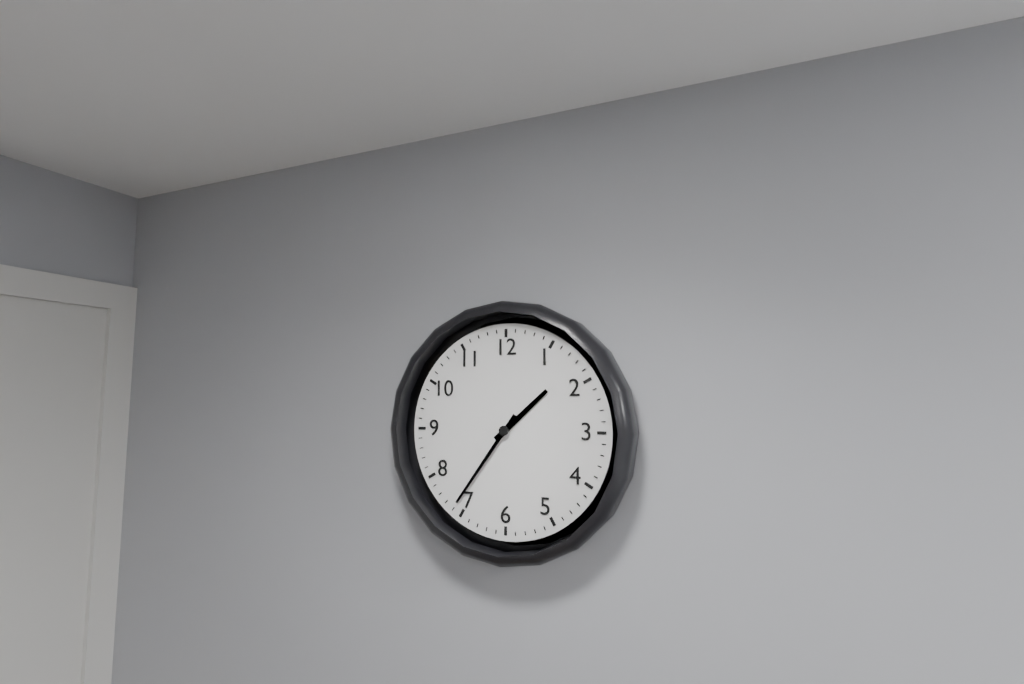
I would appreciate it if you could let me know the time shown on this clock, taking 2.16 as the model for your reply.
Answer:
1.36
